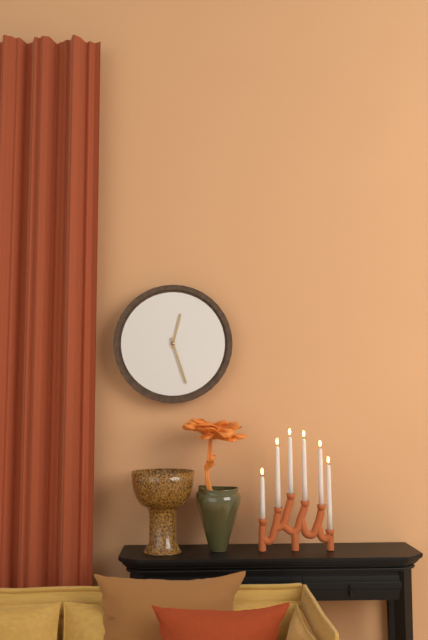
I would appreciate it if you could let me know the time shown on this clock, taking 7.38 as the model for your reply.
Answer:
12.27
